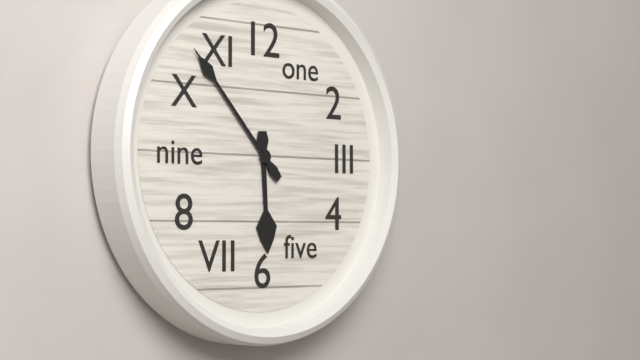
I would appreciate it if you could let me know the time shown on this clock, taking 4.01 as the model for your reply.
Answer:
5.53
